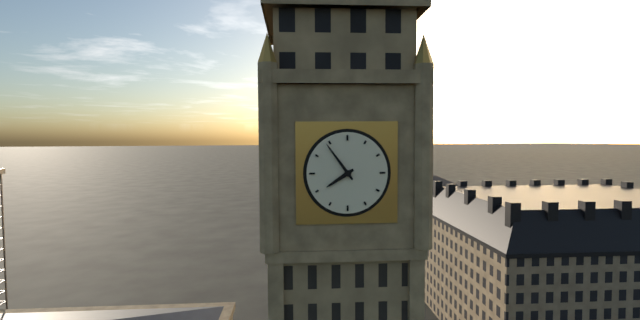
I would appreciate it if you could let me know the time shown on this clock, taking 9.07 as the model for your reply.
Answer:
7.54
